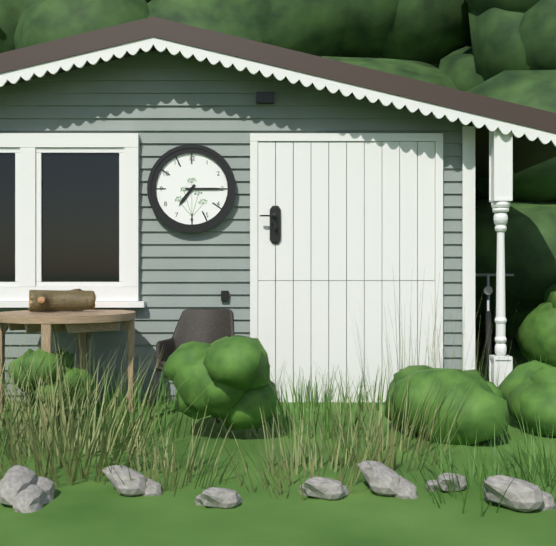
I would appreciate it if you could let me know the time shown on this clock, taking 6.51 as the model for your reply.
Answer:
7.15
